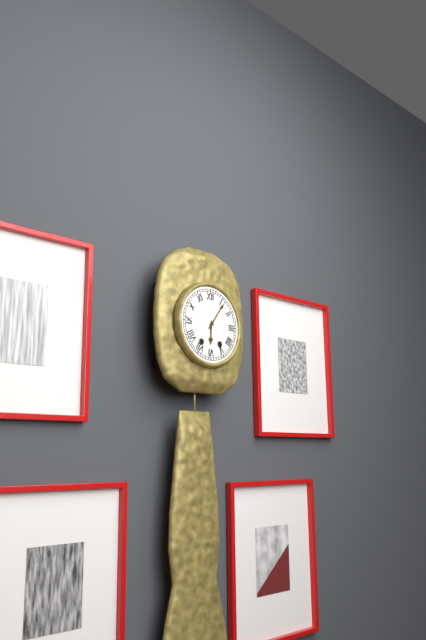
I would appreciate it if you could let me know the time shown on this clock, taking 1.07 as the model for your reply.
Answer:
6.06
